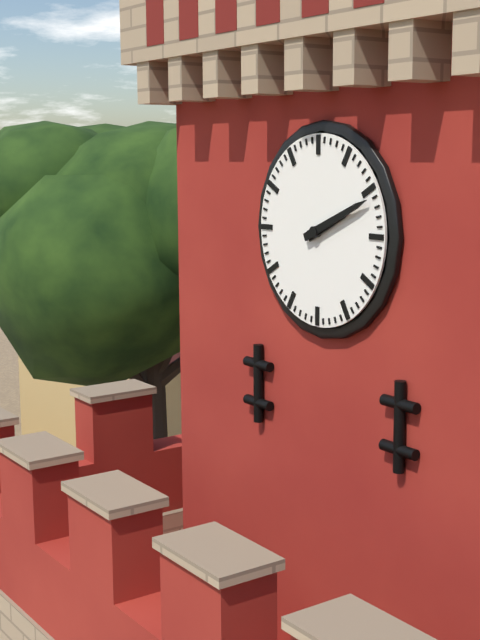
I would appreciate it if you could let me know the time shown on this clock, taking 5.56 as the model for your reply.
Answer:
2.11
